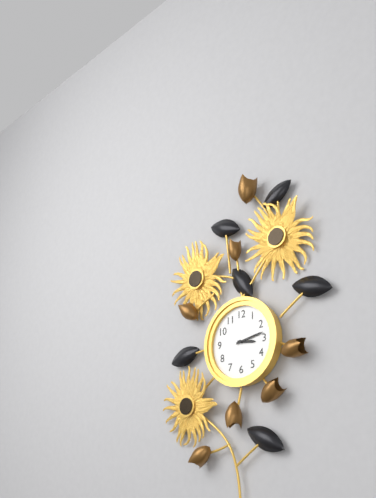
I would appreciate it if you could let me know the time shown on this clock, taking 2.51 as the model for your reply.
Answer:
3.13
